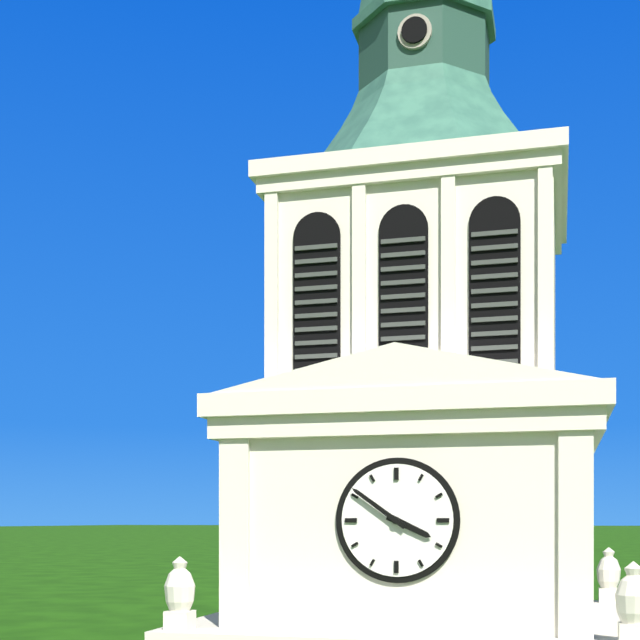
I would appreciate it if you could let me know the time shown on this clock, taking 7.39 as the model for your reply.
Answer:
3.51
